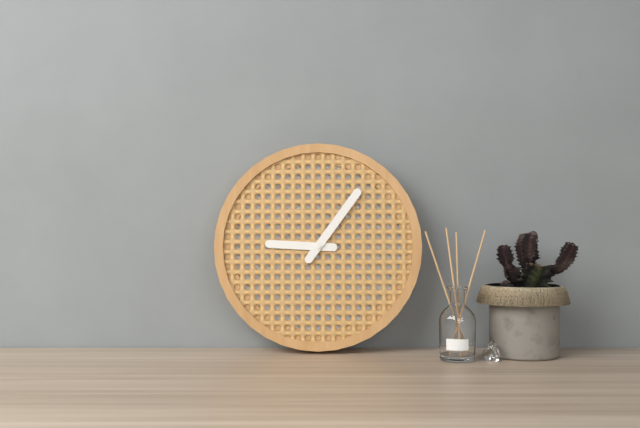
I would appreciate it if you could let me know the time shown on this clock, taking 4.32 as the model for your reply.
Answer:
9.06
